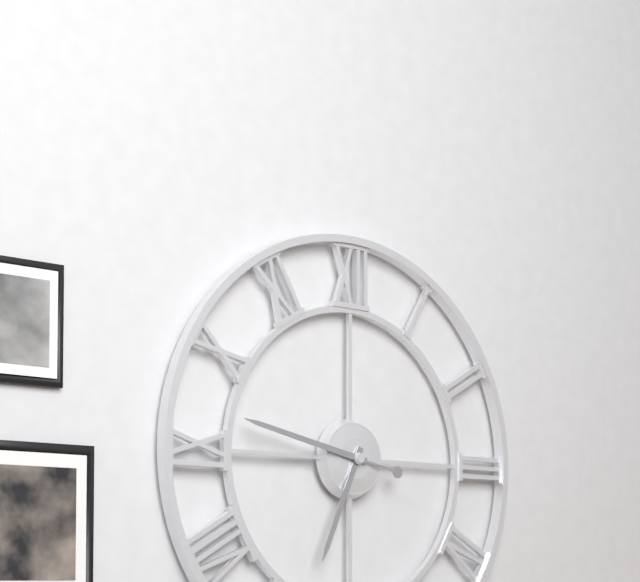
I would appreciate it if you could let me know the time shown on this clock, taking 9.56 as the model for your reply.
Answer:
6.47
